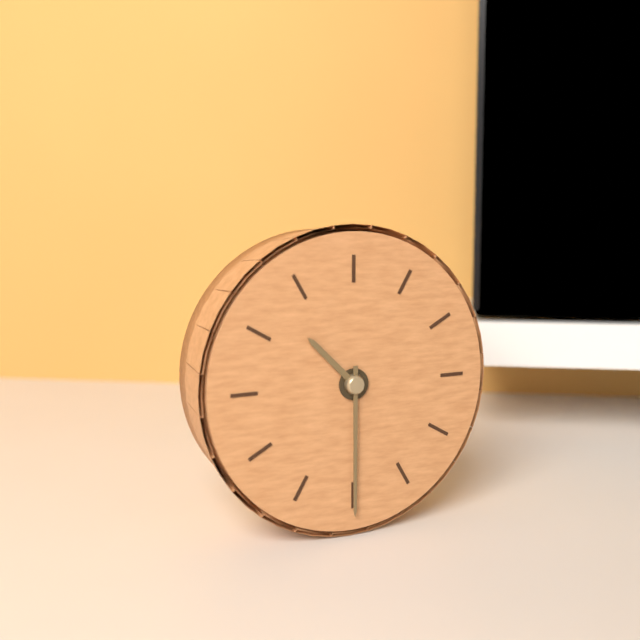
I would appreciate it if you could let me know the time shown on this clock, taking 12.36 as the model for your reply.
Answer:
10.30
